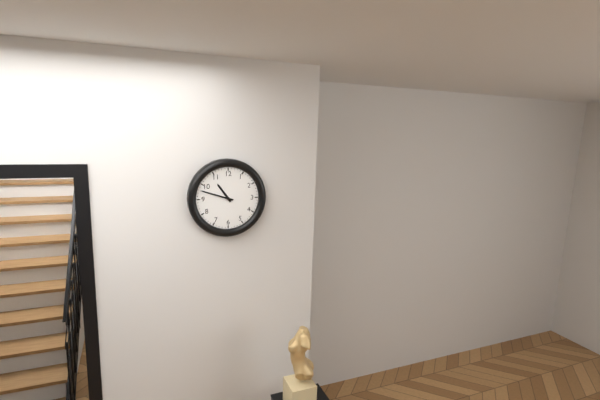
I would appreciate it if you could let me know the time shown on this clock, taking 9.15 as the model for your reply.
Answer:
10.48
